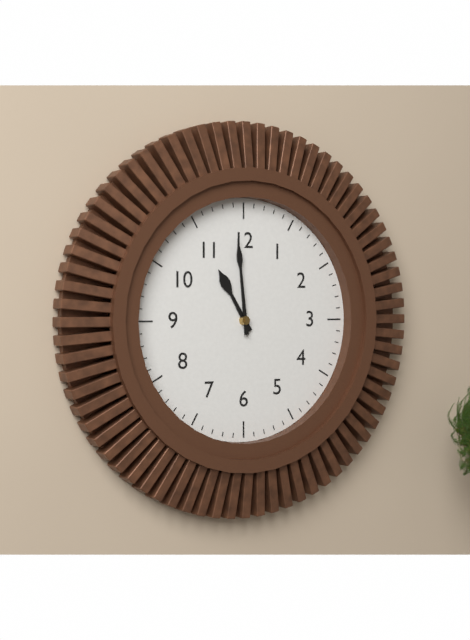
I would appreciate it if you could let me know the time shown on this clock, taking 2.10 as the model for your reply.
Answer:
10.59
